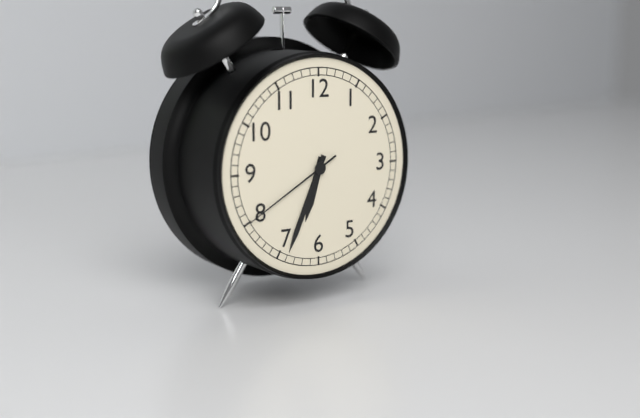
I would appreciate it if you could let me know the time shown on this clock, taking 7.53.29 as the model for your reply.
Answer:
6.34.40
